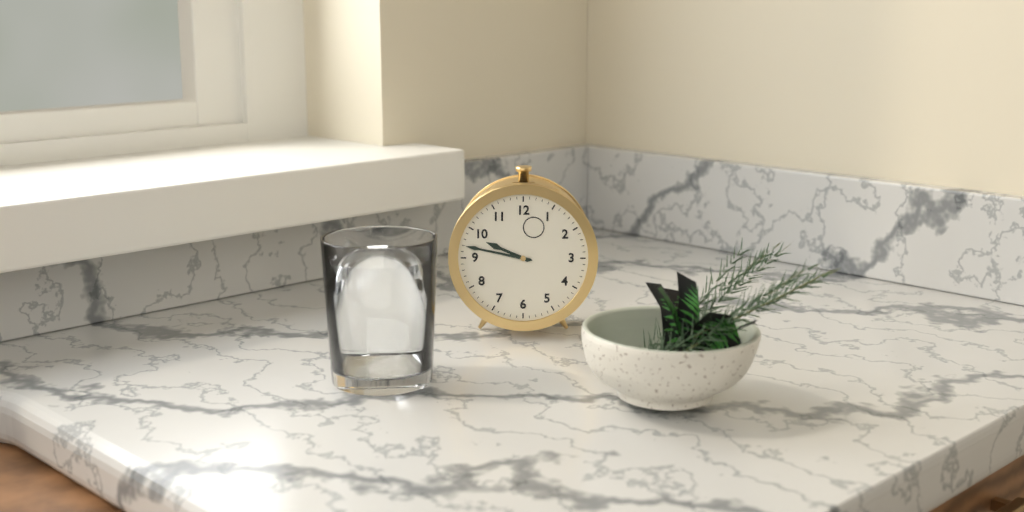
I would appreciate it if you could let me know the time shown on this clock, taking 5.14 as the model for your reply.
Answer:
9.47
